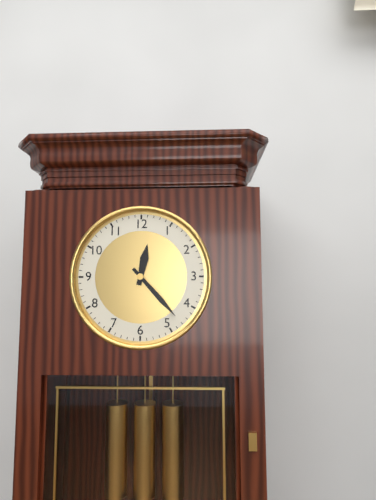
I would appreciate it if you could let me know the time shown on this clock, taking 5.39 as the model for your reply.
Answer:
12.23
